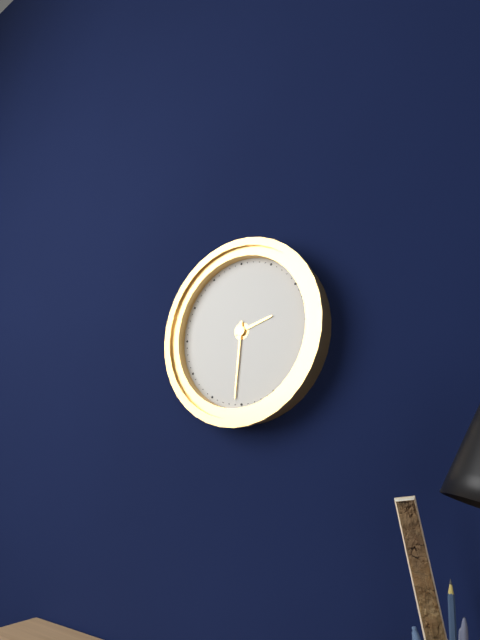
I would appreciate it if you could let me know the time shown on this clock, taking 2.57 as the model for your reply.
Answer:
2.31
